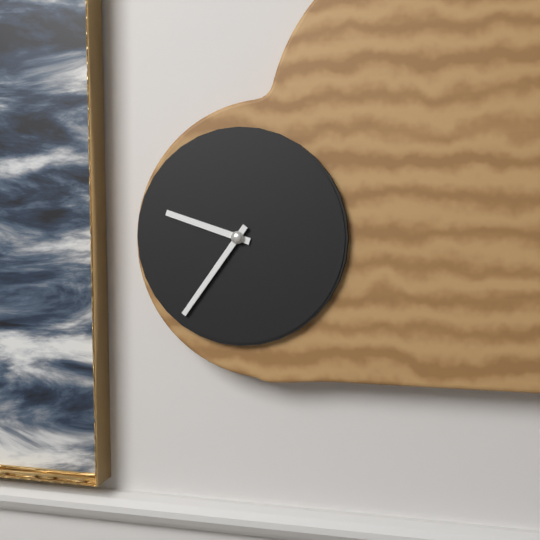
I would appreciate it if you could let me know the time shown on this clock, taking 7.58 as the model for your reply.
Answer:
9.36
